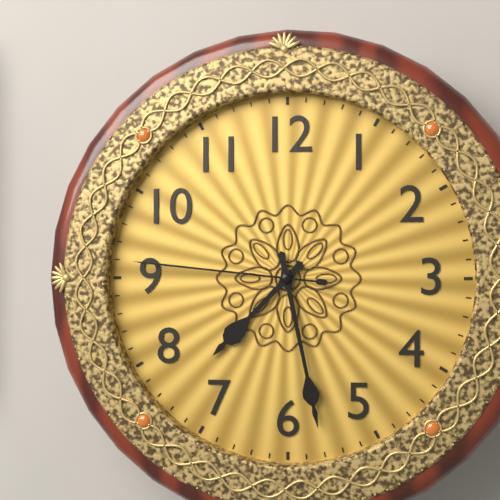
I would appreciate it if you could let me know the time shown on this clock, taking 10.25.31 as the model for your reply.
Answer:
7.28.46
